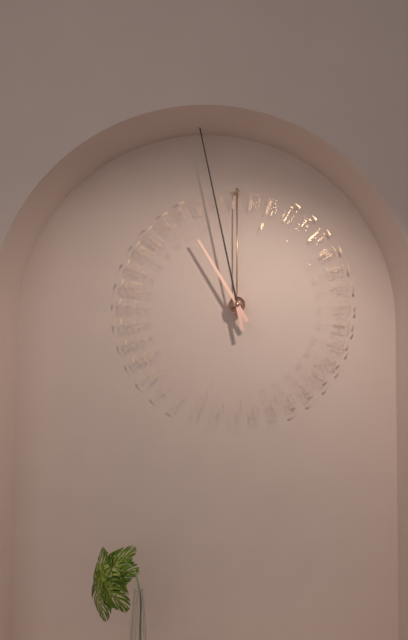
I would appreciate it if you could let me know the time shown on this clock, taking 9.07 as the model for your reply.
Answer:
10.58
